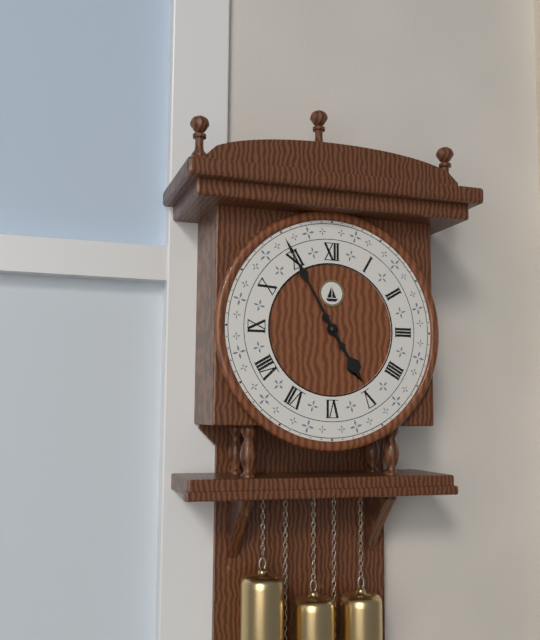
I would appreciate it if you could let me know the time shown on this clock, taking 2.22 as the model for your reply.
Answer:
4.55
